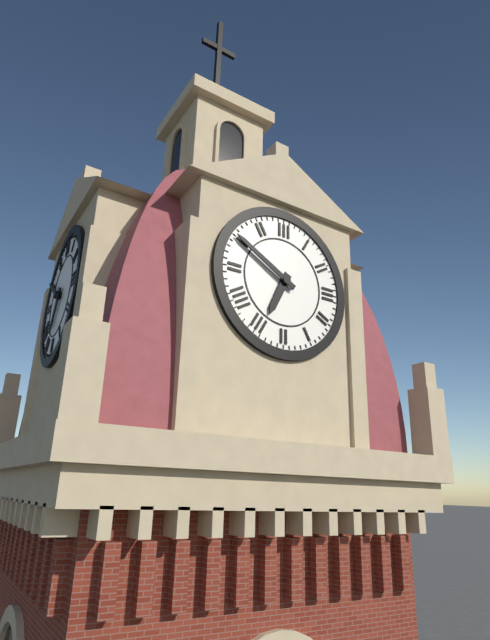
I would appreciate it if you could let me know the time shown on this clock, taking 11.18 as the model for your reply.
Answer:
6.50
